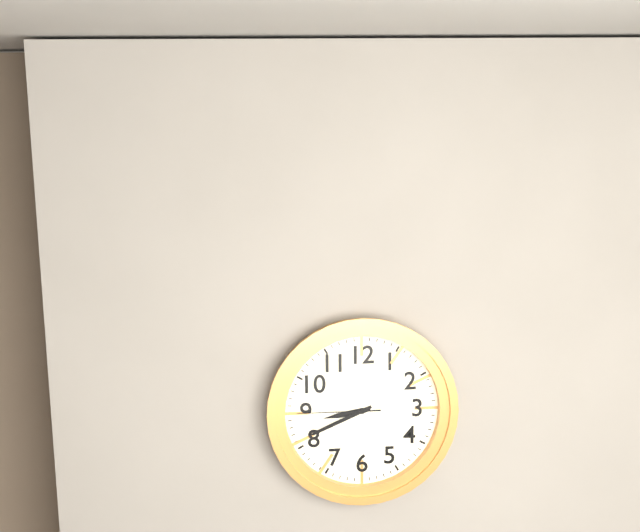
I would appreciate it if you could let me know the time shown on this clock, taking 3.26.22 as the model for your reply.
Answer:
8.41.45
